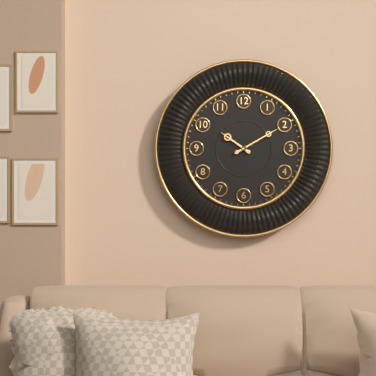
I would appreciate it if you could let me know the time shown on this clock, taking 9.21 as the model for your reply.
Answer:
10.10
